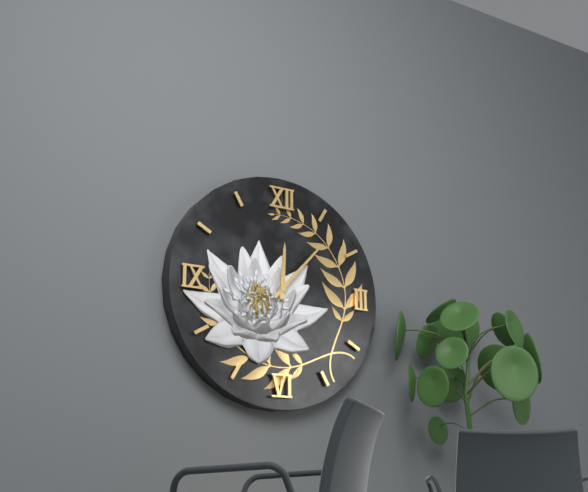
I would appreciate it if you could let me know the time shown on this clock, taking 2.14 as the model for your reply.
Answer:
12.07
